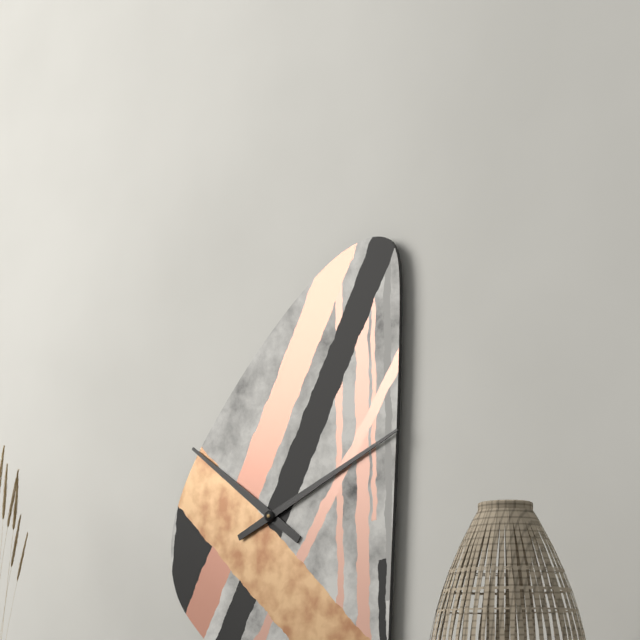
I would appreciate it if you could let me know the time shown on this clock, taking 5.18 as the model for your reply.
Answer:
10.11
